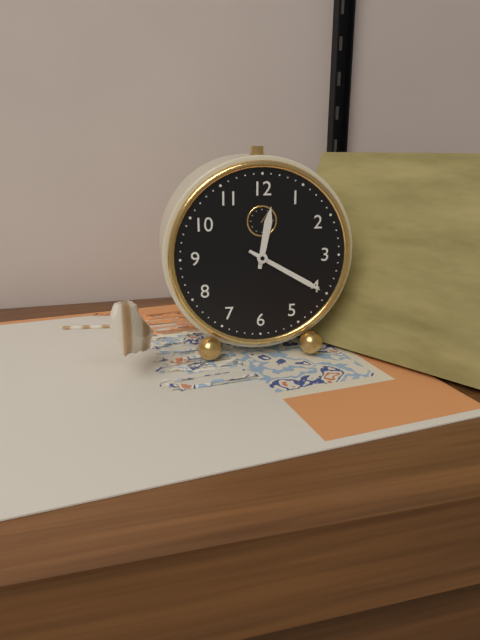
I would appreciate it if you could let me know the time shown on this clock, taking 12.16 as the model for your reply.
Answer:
12.20
